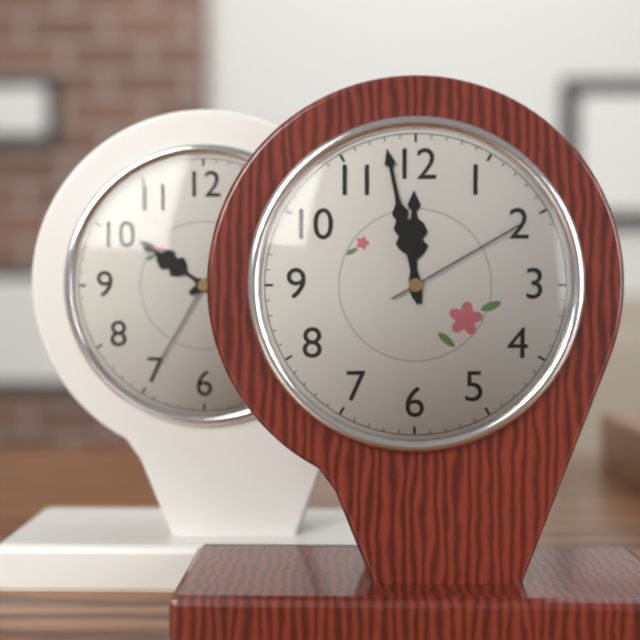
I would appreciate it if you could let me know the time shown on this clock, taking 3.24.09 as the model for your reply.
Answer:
11.58.10
